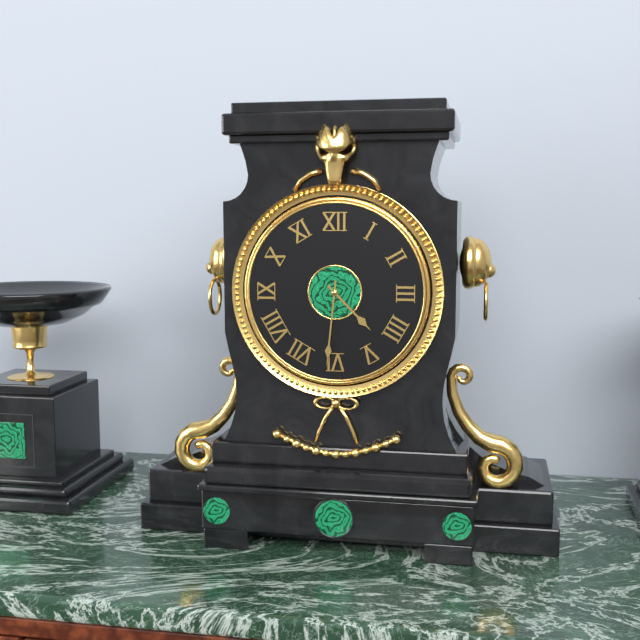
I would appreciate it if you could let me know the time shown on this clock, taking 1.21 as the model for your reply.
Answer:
4.31
